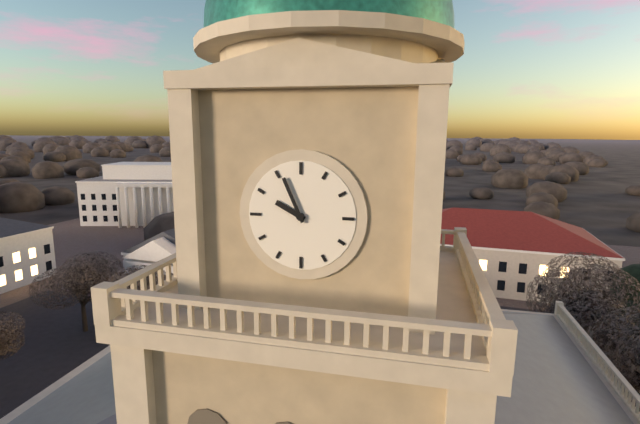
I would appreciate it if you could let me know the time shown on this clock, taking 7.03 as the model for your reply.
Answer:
9.56
